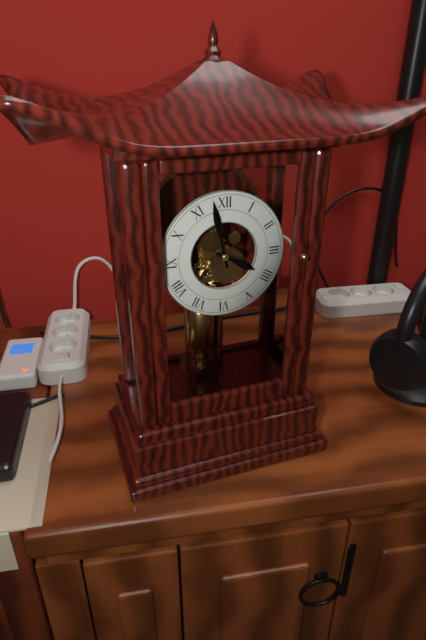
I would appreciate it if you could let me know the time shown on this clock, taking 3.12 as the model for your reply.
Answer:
3.58
